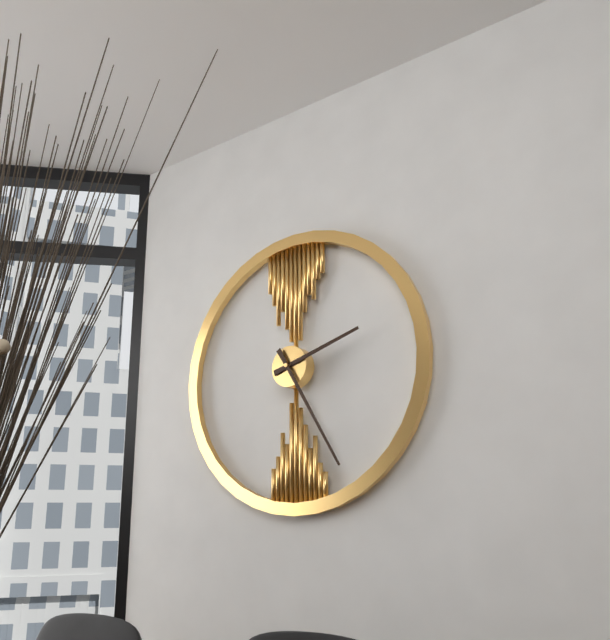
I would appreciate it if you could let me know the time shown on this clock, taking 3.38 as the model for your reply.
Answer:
2.25
